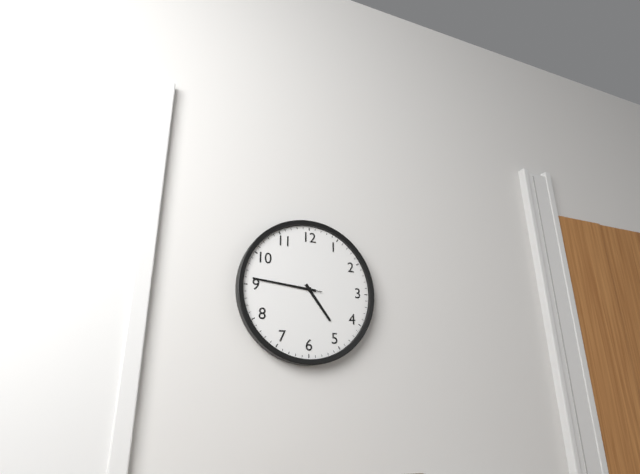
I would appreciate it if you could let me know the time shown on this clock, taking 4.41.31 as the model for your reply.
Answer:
4.46.46
